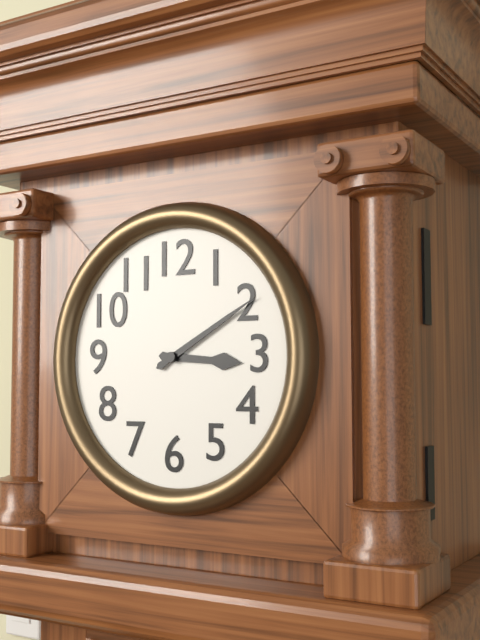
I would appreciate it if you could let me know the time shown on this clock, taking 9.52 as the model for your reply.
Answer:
3.10
